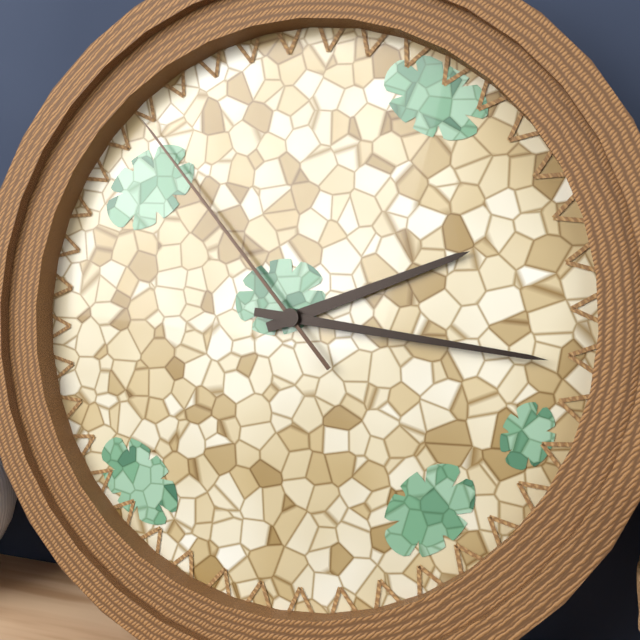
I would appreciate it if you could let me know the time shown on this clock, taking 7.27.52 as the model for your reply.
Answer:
2.16.53
